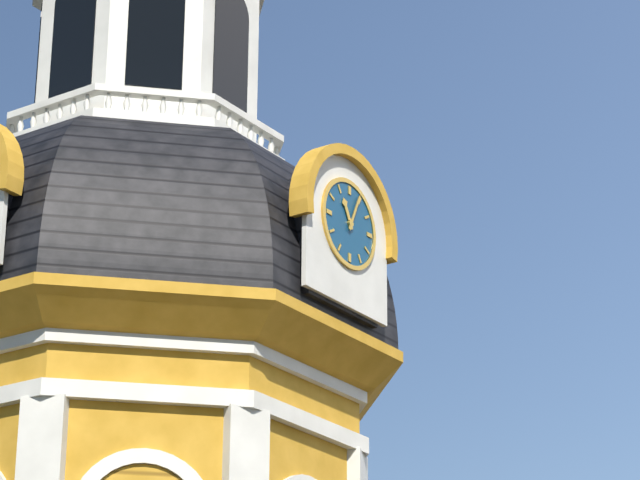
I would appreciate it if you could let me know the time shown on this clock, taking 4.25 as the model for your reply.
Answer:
11.04
